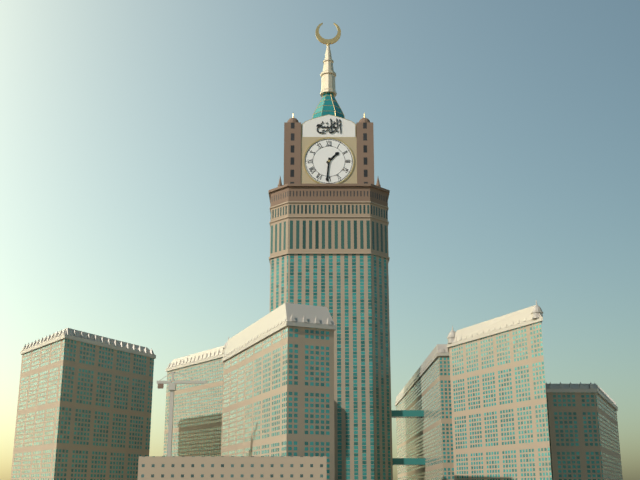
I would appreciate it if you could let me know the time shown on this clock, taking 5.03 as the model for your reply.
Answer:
1.31
